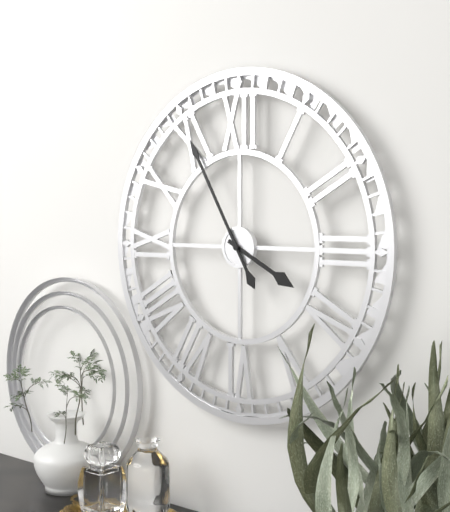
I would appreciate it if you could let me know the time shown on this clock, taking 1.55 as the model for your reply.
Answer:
3.55
